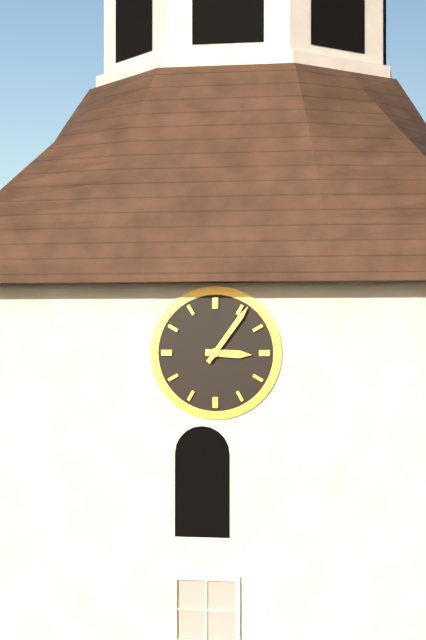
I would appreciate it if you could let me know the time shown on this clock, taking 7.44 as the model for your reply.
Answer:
3.06
